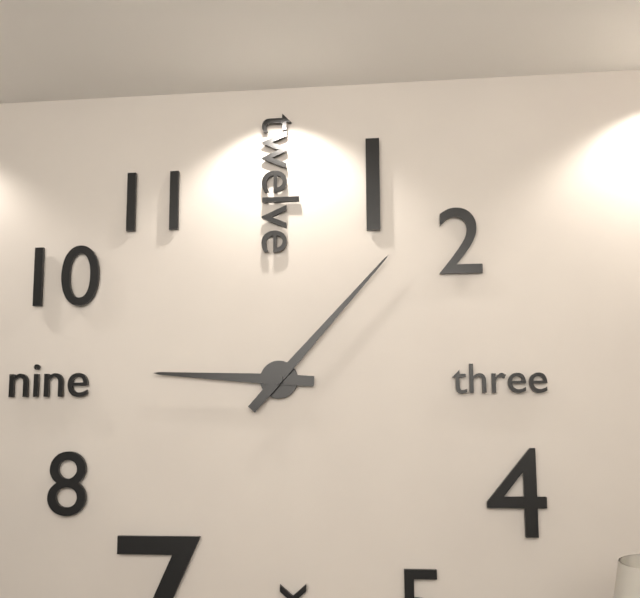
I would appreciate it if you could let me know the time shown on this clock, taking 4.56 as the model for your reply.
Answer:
9.07
